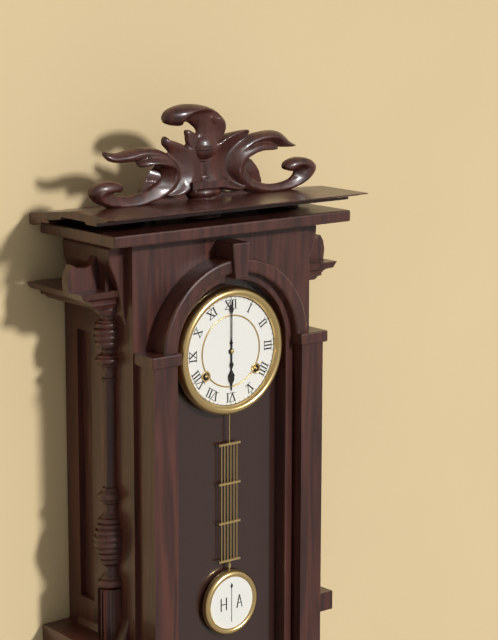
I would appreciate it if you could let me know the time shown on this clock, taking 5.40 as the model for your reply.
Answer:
6.00
